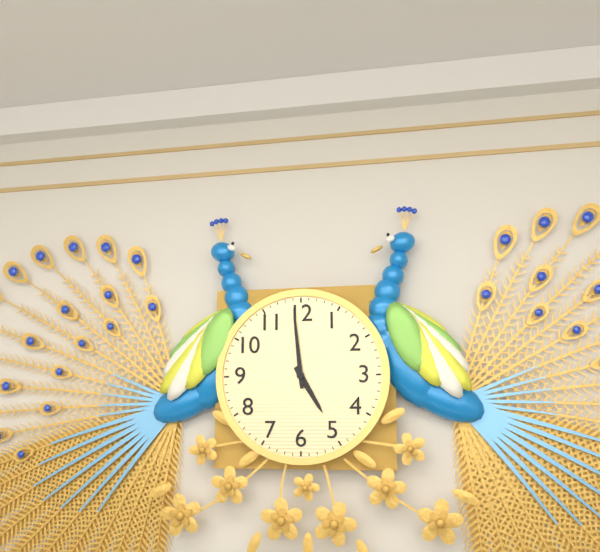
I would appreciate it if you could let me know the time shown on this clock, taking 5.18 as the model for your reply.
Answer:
4.59
